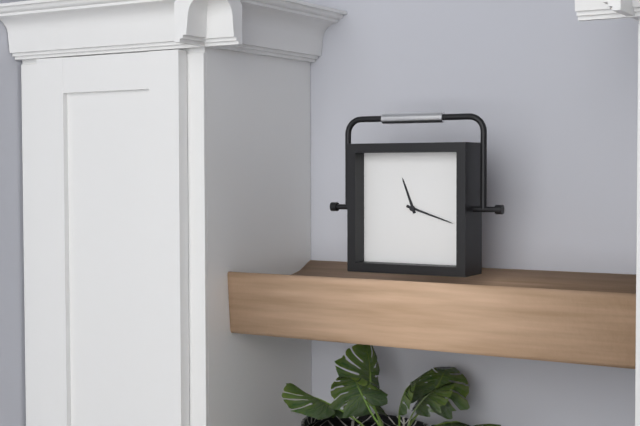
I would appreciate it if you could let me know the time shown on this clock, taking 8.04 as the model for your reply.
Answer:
11.18
